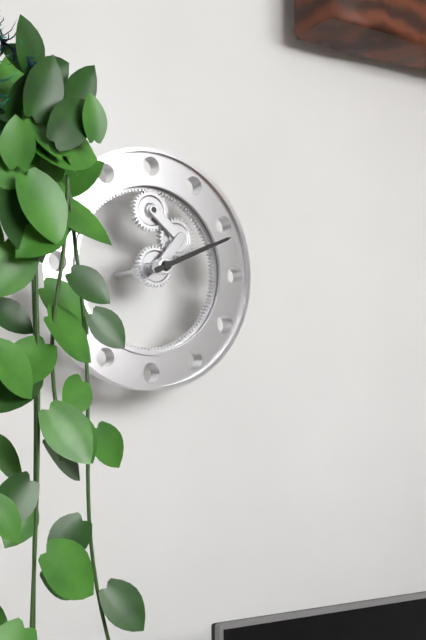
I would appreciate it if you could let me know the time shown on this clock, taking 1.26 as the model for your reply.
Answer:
2.11
